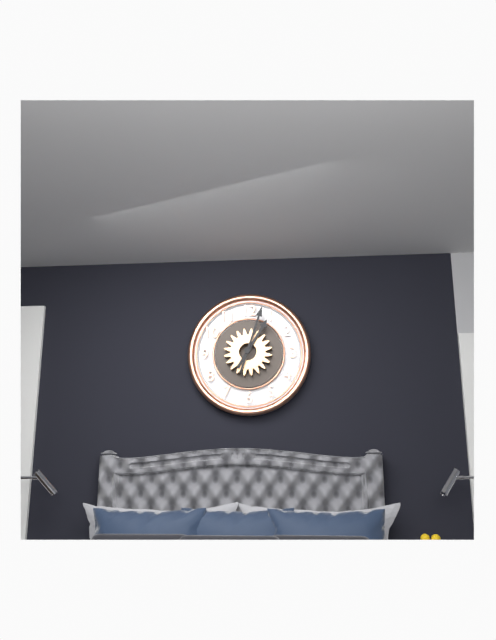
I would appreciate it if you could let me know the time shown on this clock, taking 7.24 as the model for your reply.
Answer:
1.03
